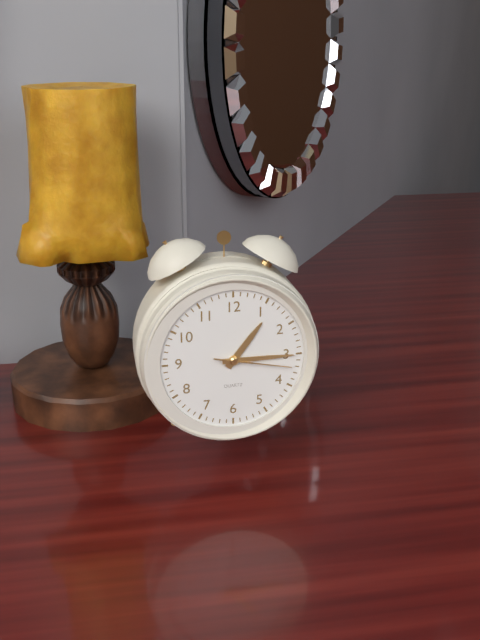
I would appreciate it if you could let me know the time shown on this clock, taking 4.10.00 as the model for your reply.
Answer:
1.15.17
